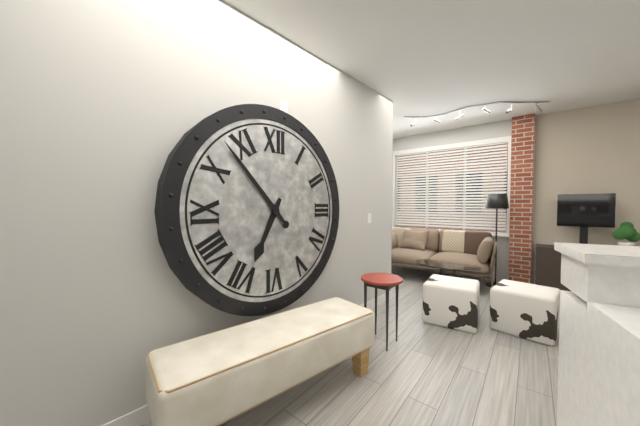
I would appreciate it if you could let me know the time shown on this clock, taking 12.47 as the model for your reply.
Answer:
6.53
